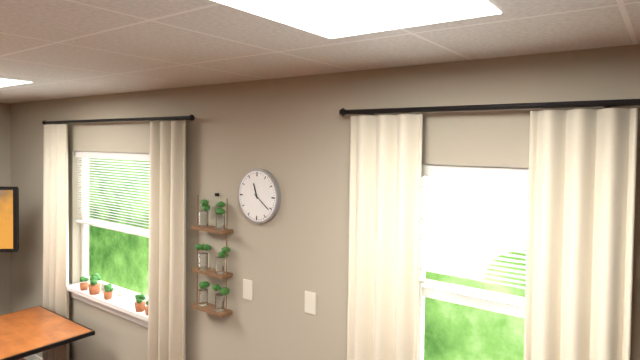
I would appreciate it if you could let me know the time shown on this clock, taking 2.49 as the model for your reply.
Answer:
11.21
